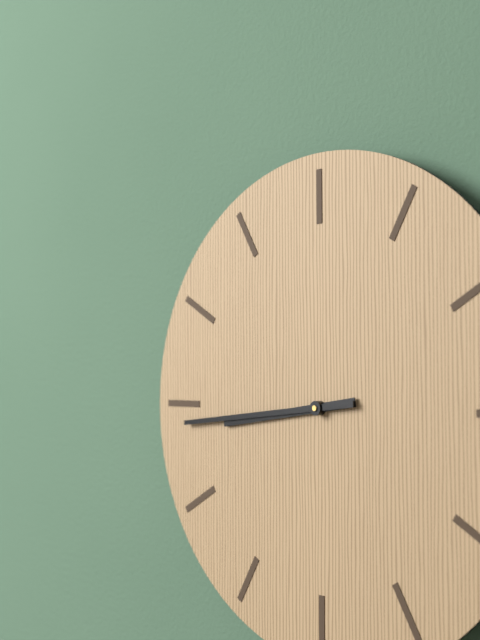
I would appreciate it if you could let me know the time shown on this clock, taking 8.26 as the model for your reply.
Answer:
8.44
